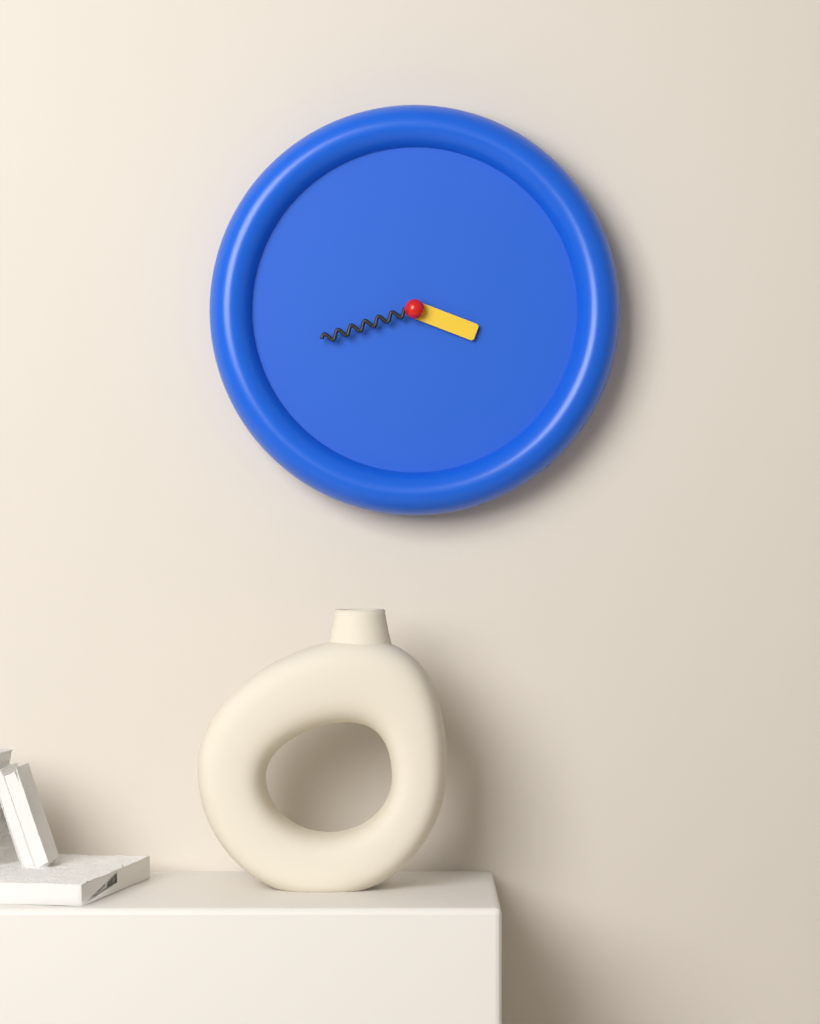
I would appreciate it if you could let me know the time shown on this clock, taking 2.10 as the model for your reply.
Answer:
3.42
